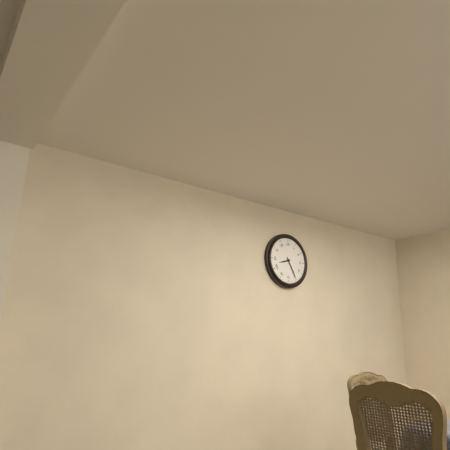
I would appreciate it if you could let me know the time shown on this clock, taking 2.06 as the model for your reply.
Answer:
8.25
